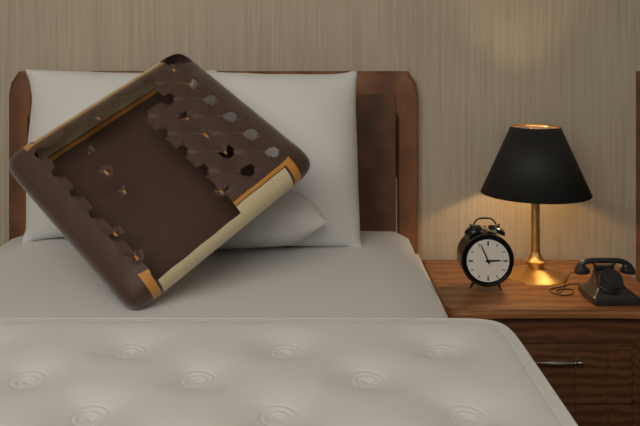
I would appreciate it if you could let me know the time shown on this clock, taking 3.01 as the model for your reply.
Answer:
2.56
